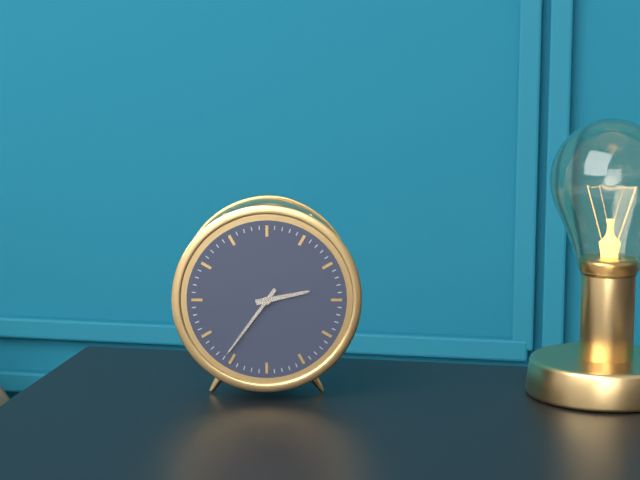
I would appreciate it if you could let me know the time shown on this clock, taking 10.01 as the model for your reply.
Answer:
2.36
